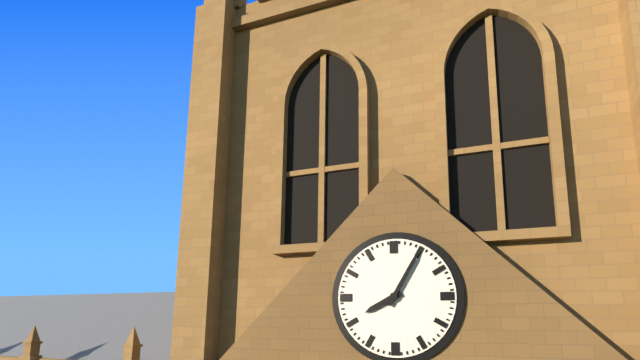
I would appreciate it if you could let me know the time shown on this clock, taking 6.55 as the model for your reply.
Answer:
8.05
